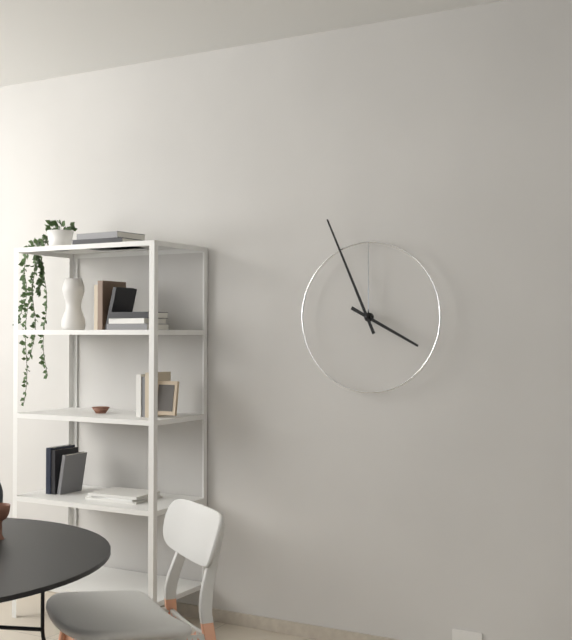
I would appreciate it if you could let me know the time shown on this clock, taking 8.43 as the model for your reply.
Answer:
3.56
